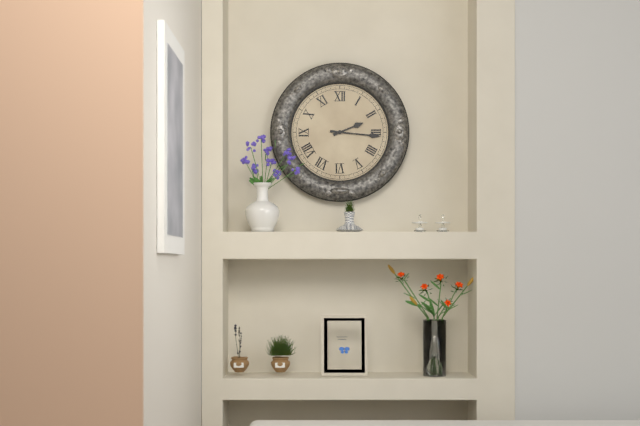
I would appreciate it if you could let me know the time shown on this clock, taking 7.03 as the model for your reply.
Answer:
2.16
